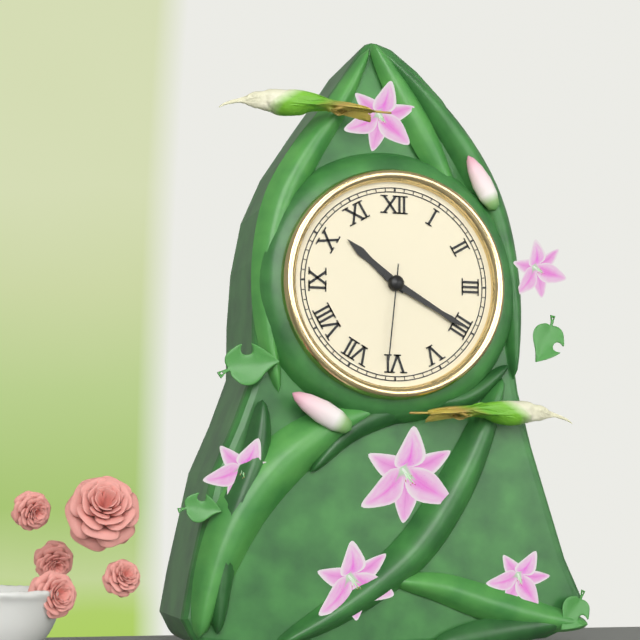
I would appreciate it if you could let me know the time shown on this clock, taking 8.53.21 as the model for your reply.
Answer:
10.20.31
